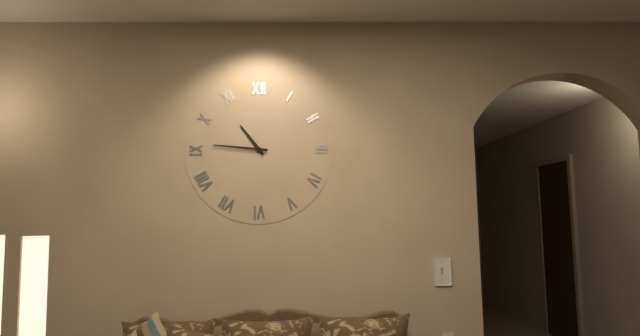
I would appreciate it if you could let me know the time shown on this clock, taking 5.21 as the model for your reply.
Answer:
10.46
